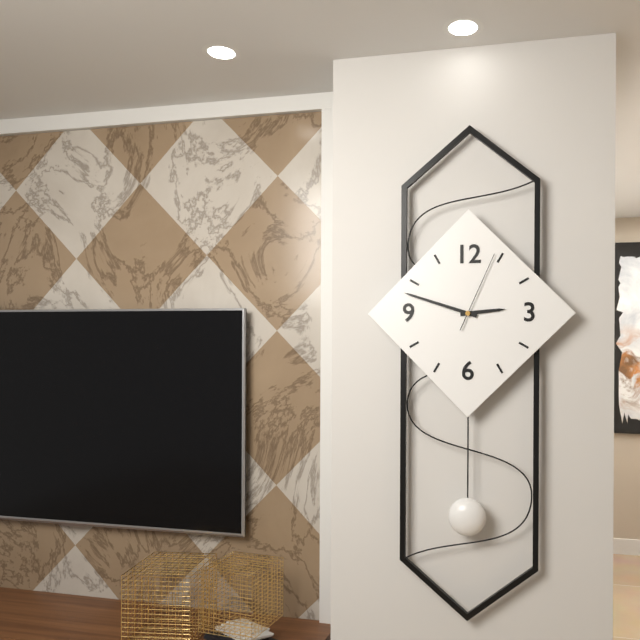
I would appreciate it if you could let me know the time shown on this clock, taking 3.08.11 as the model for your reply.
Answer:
2.48.04
